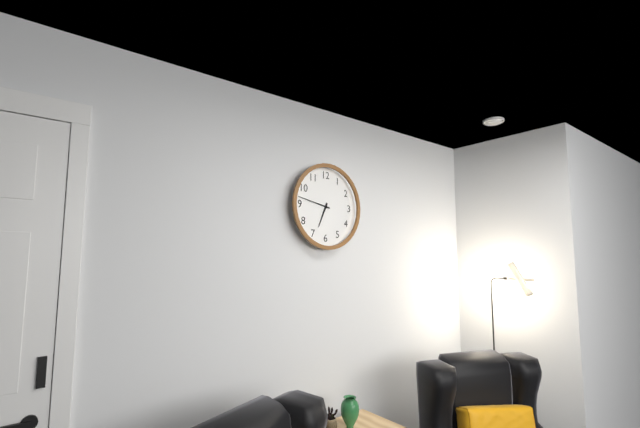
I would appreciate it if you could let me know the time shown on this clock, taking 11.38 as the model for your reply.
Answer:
6.47
